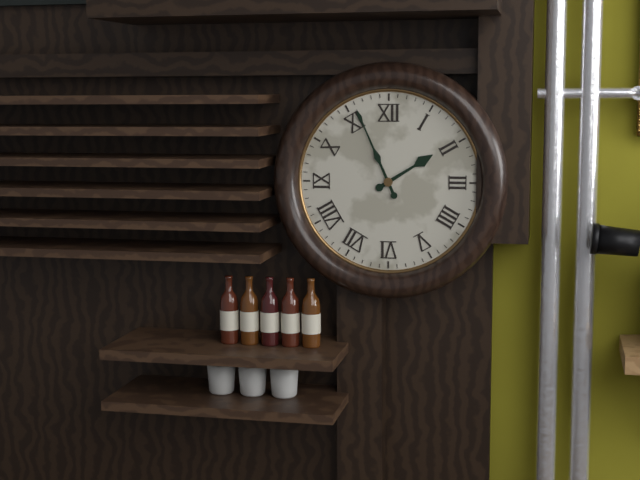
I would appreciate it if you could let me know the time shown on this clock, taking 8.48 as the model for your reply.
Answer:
1.56
